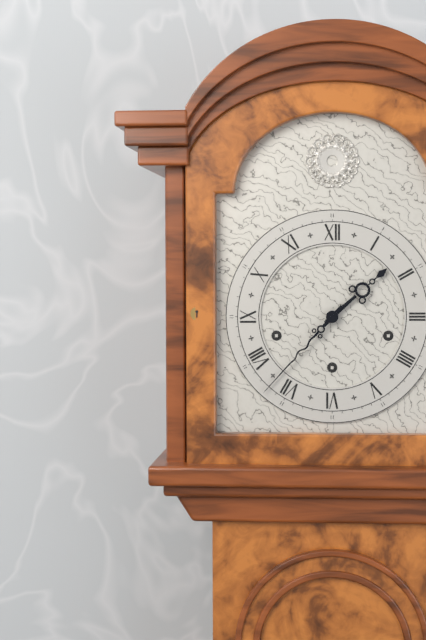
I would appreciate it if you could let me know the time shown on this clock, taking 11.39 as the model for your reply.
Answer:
1.37
